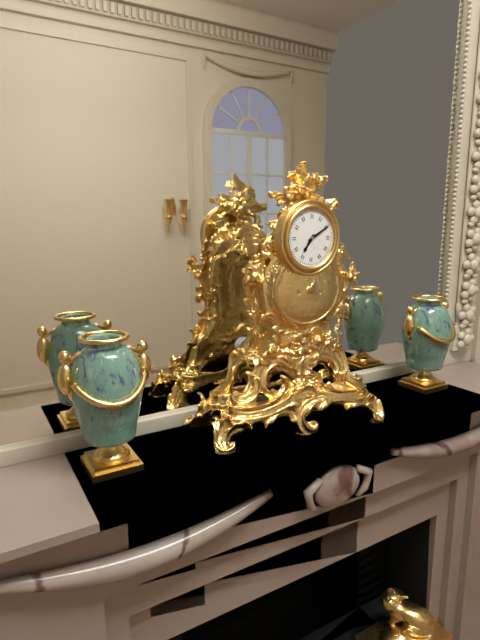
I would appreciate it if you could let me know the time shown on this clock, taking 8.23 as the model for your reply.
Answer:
7.10
